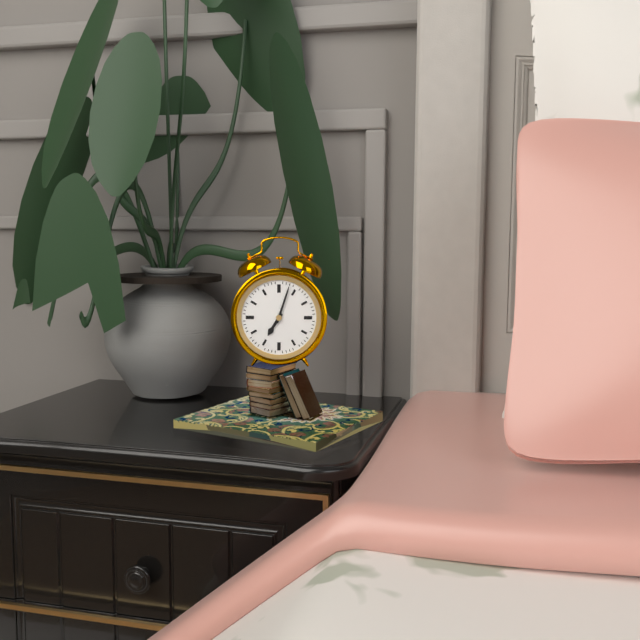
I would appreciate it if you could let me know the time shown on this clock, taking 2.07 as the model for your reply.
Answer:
7.03
